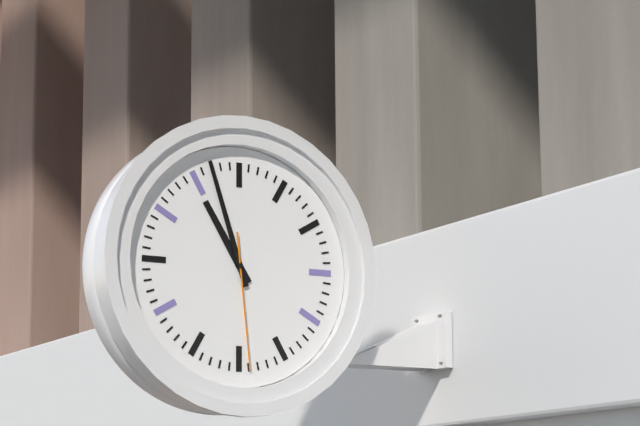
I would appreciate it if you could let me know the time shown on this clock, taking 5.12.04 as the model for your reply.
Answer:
10.57.29
